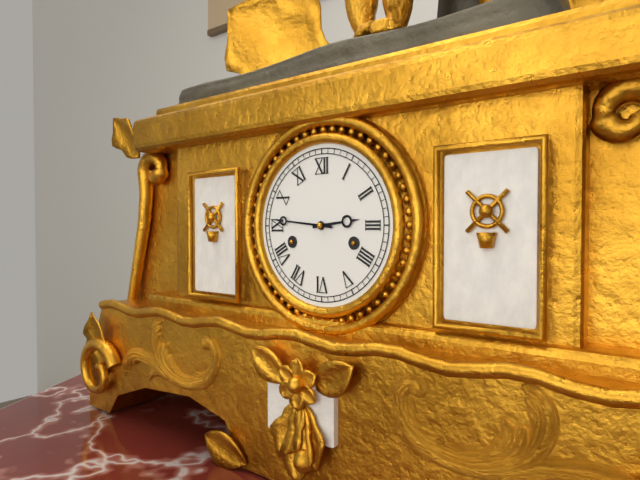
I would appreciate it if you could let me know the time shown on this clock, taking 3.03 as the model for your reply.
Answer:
2.46
